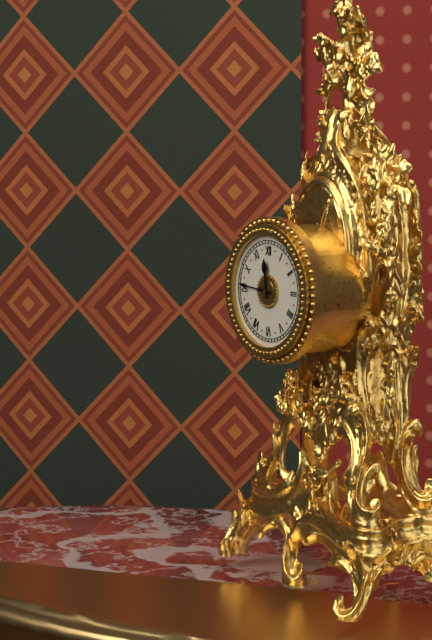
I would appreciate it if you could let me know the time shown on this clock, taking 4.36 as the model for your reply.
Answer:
11.46
